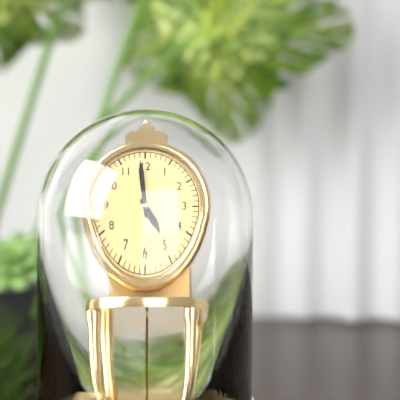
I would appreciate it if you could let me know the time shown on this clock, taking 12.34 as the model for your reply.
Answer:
4.59
